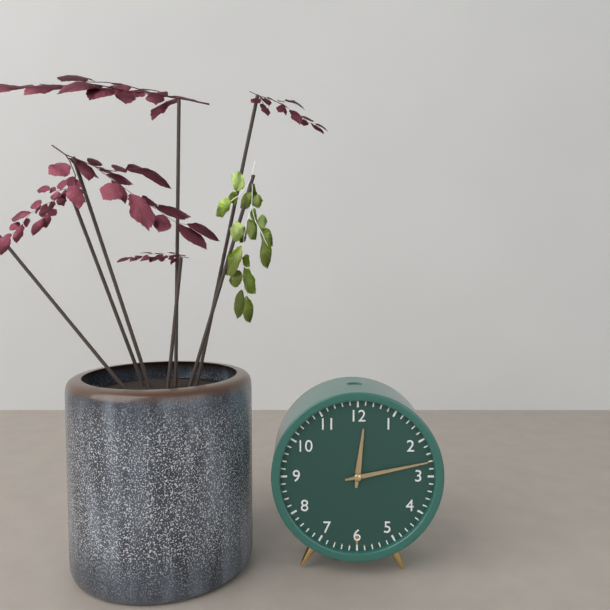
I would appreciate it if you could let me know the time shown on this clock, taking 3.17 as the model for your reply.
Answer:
12.13
